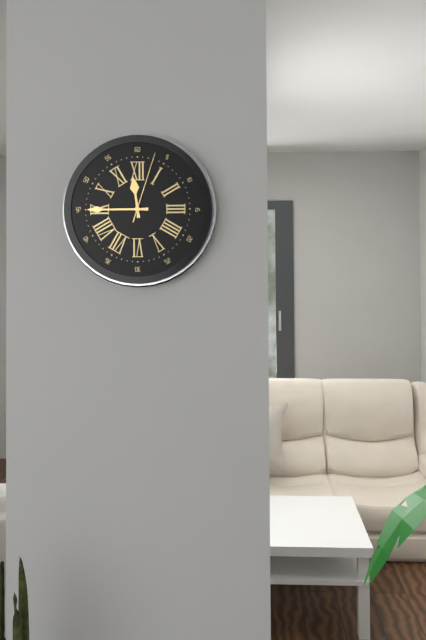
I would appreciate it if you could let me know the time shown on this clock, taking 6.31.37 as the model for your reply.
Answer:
11.45.03
